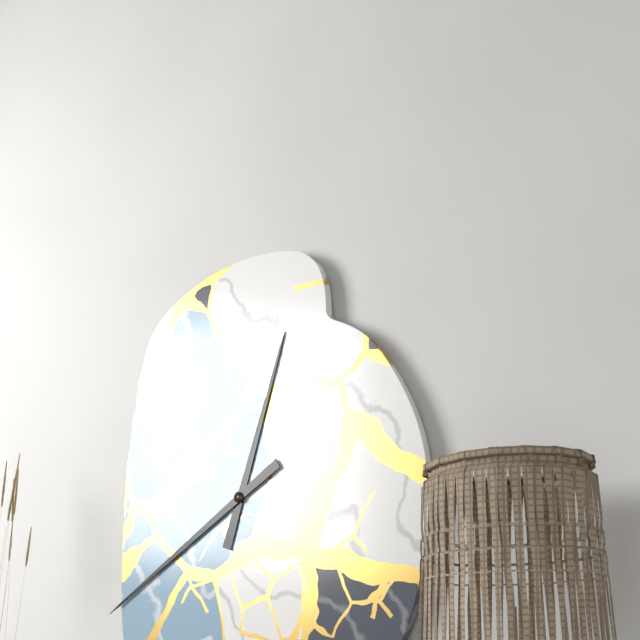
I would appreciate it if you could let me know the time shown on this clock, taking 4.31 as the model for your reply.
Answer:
12.40
